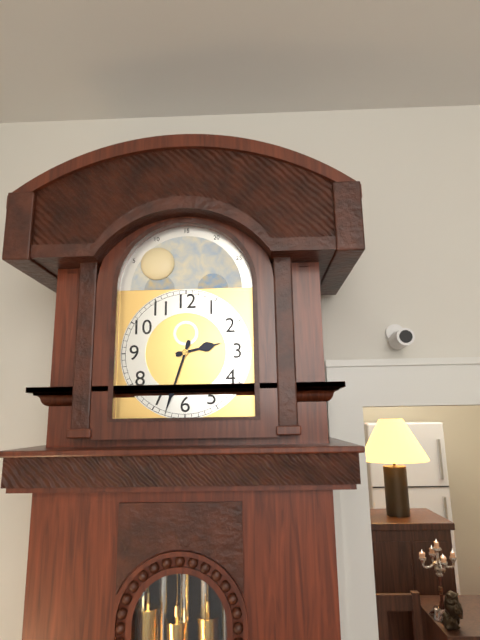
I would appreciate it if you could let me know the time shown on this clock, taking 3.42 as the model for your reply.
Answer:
2.33
